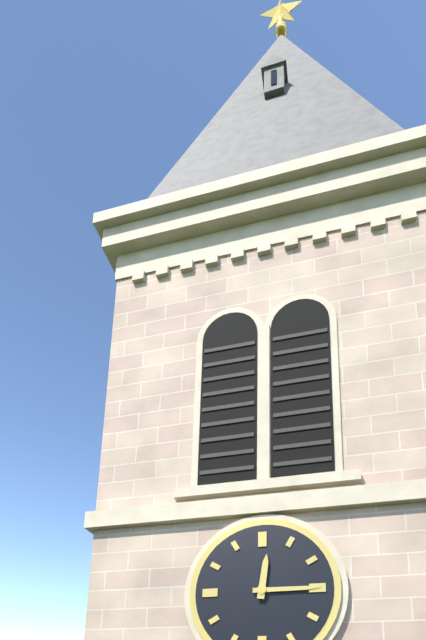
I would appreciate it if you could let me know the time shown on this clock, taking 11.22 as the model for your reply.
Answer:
12.15
